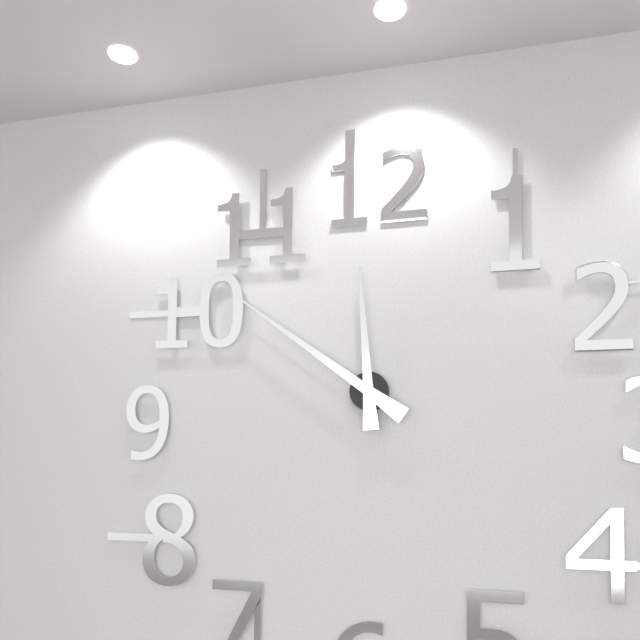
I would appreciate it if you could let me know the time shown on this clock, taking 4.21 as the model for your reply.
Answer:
11.51
